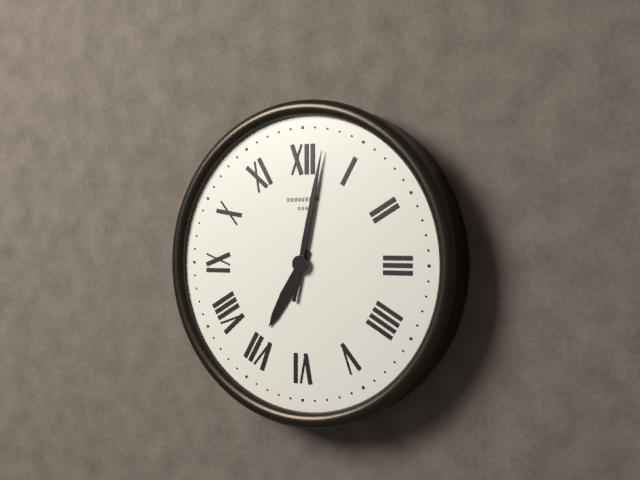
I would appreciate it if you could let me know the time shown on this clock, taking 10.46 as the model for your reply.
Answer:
7.02
